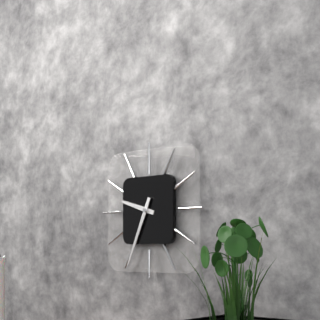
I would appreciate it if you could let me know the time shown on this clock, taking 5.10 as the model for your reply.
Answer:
9.34
